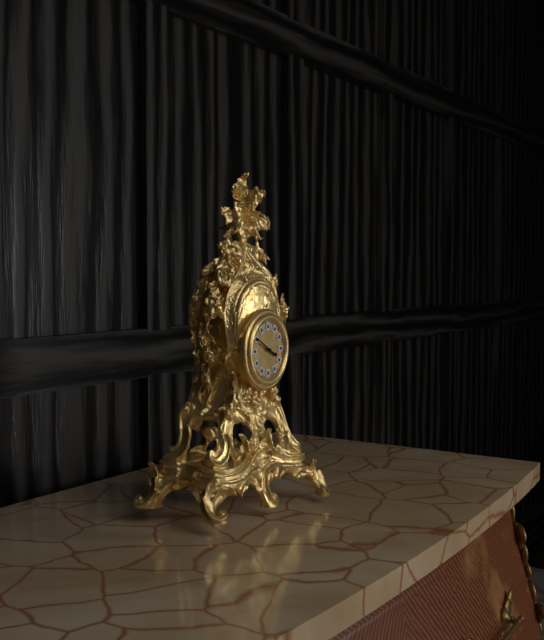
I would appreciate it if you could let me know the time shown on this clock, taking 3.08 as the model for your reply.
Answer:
3.50
